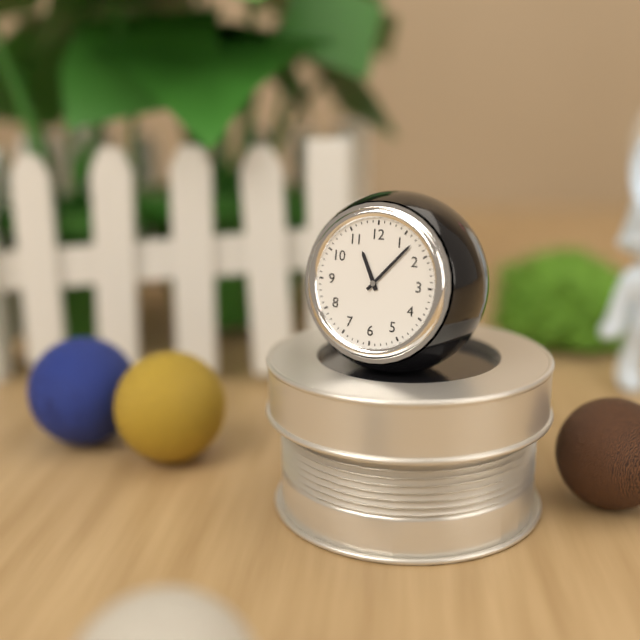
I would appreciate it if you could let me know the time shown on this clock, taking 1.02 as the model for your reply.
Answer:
11.07
